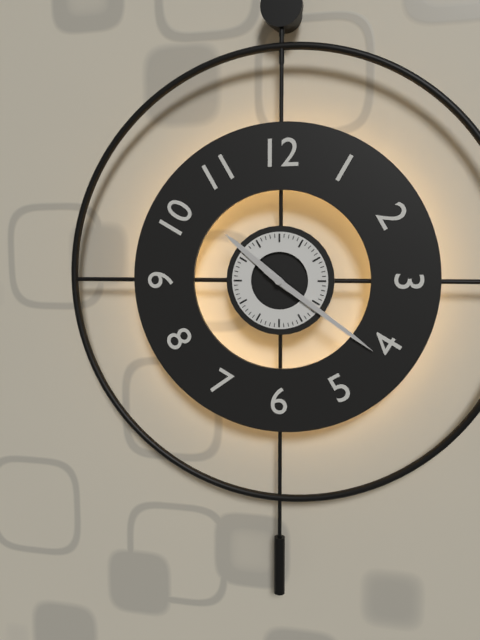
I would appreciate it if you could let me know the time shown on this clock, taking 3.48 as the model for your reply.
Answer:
10.21
